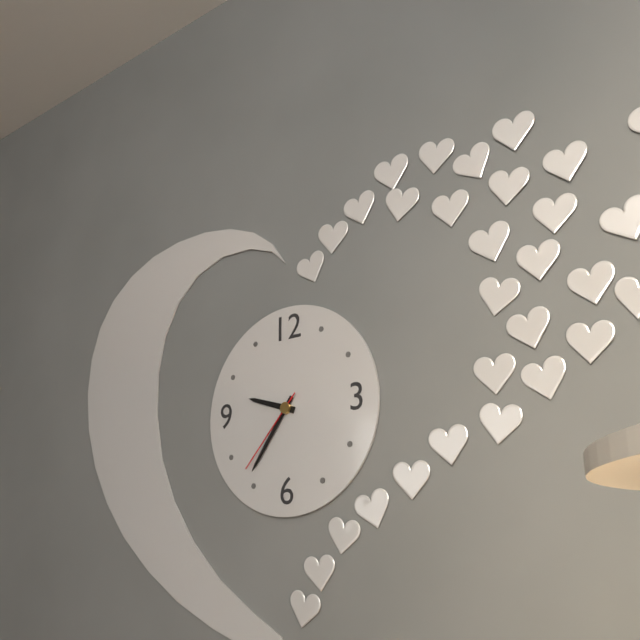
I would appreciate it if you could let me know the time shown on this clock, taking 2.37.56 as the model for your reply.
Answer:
9.36.37
